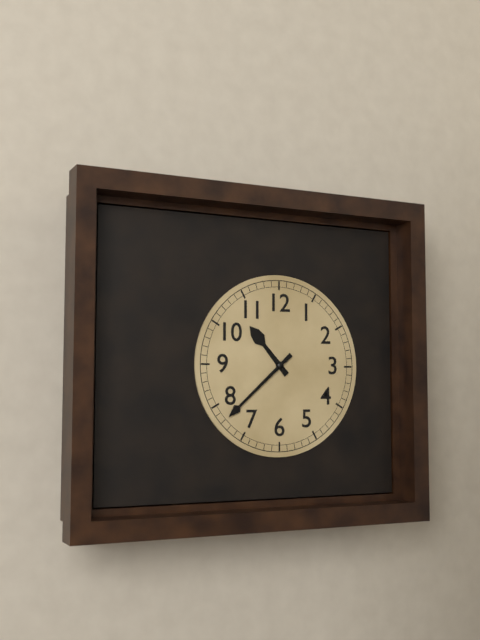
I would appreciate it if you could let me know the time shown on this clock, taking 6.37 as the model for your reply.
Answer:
10.38
